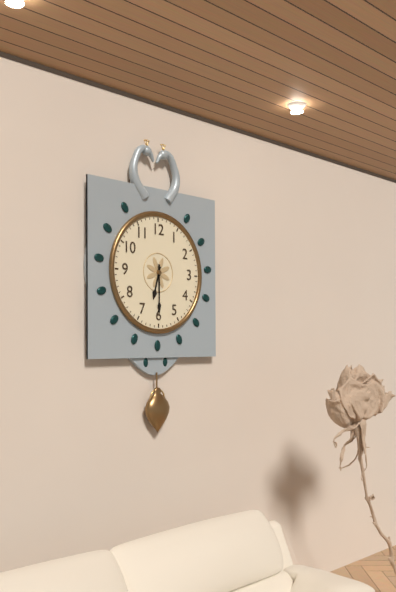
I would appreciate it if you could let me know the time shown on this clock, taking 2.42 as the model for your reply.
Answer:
6.30
